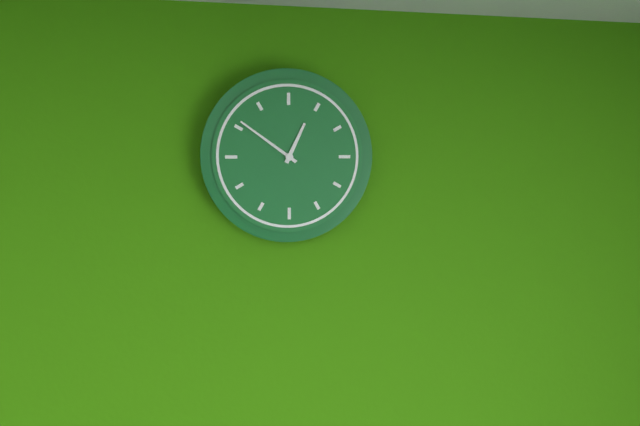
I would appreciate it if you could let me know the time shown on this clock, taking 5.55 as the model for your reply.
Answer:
12.51
